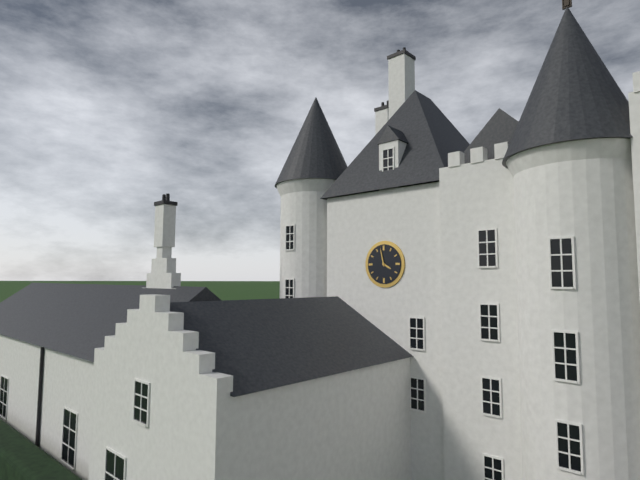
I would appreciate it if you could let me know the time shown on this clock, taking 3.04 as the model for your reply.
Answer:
3.58
